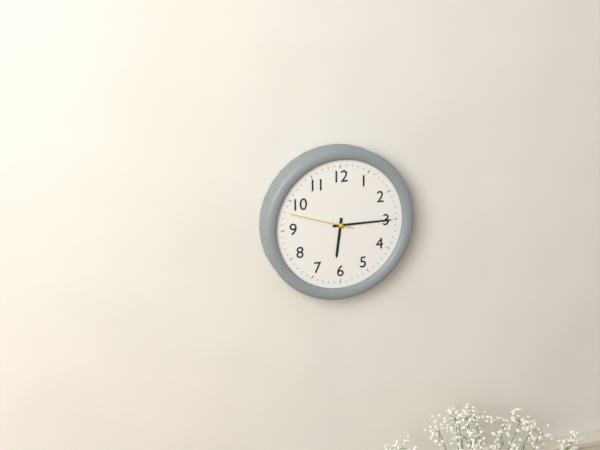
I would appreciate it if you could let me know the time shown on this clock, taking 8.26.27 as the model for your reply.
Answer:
6.15.48
